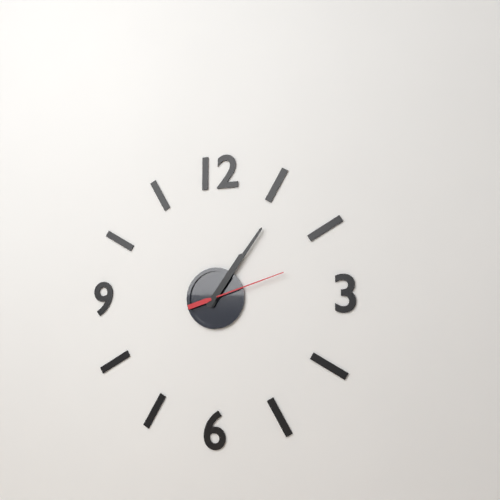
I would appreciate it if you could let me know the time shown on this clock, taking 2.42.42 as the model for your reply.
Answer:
1.06.12
